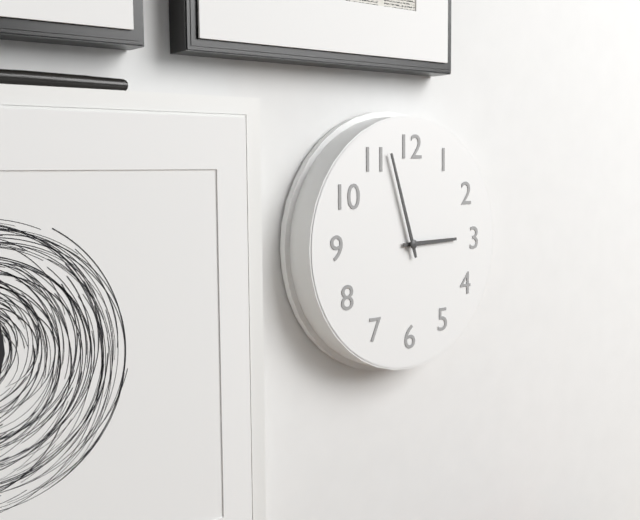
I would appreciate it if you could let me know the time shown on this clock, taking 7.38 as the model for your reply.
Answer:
2.57
